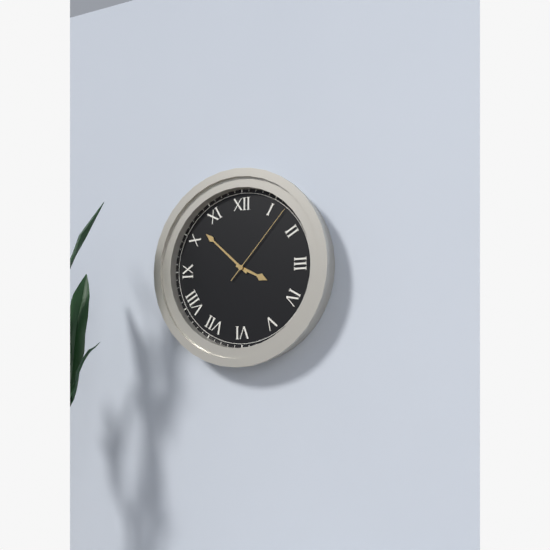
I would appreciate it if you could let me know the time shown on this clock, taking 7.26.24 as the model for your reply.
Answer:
3.52.07
